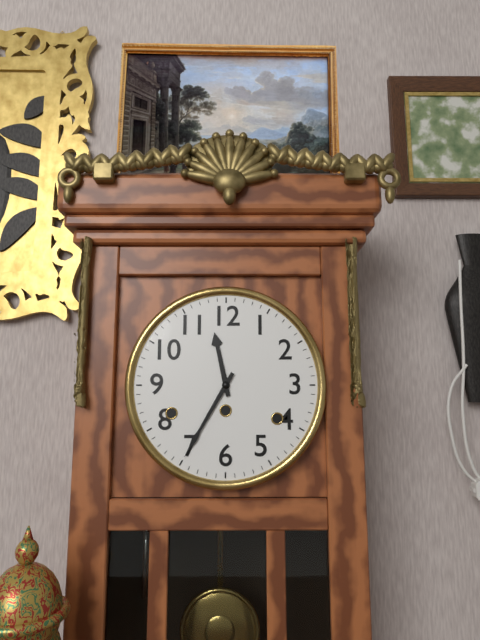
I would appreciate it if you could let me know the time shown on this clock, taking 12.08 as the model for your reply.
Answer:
11.35
